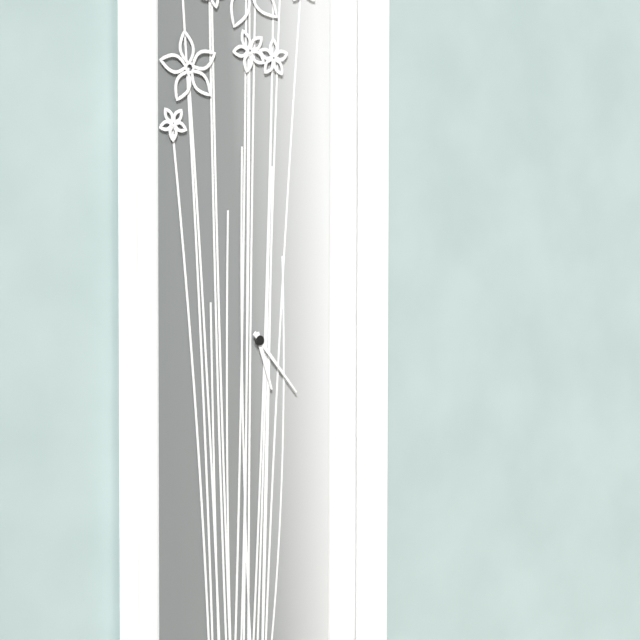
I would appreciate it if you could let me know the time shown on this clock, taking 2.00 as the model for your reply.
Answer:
5.23
